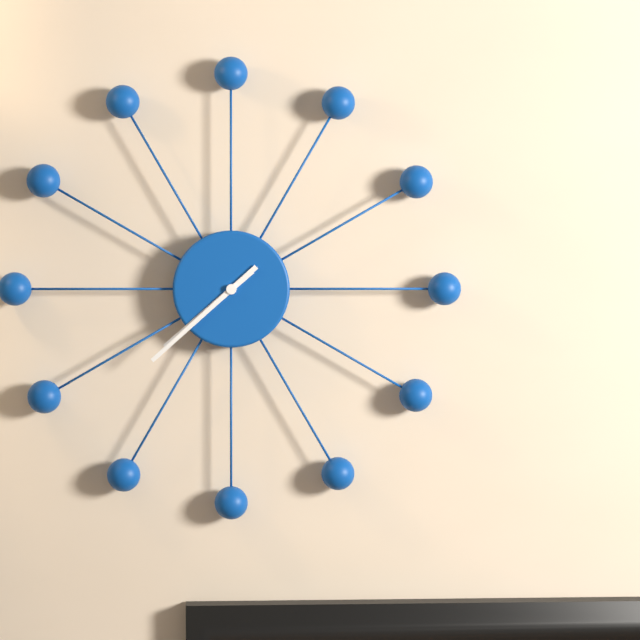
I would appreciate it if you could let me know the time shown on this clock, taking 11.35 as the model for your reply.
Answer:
7.38
